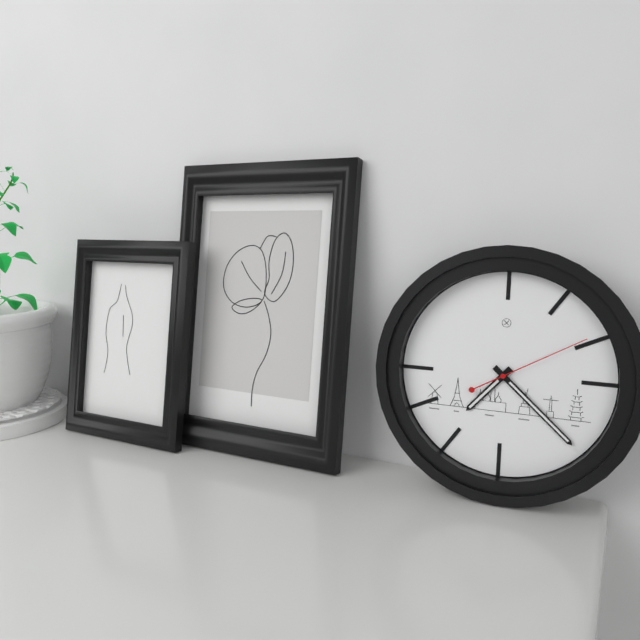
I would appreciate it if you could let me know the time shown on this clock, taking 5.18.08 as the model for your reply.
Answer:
7.22.10
